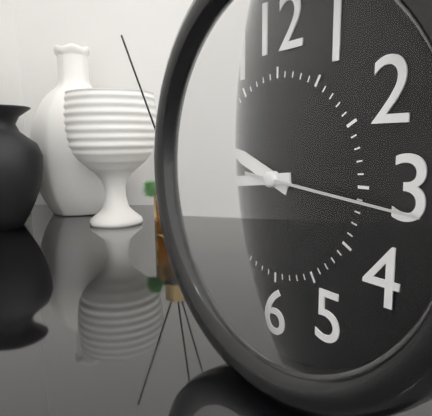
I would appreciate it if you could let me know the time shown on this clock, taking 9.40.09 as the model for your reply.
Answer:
9.44.16
